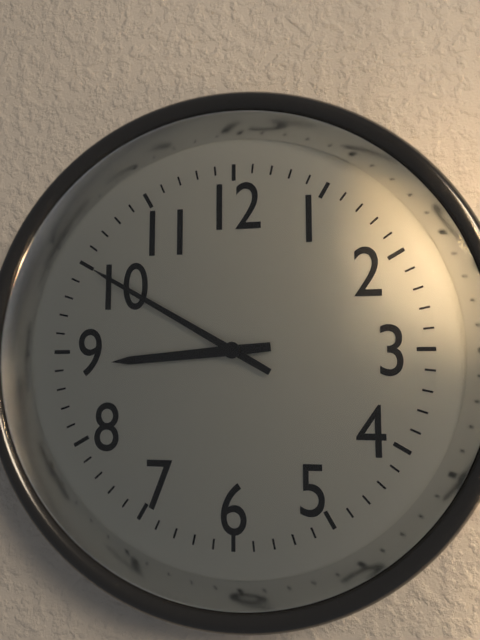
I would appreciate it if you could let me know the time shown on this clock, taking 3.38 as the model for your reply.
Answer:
8.50
